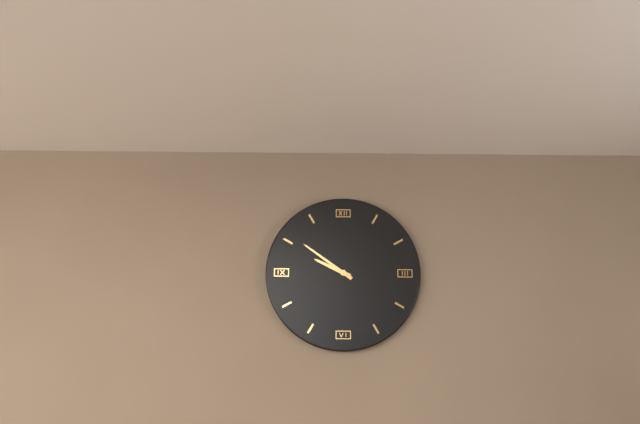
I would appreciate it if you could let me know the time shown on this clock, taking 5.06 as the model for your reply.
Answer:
9.51
